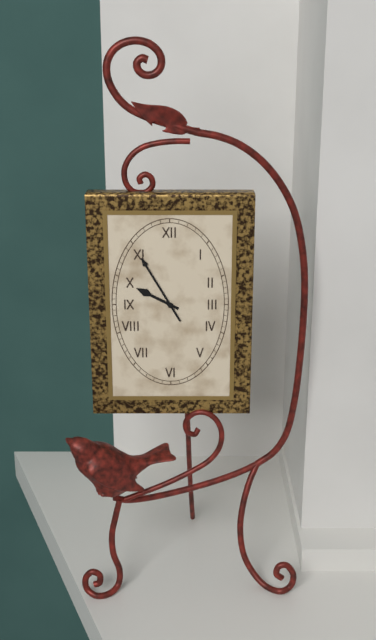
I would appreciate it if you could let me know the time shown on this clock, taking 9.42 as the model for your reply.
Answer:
9.55
